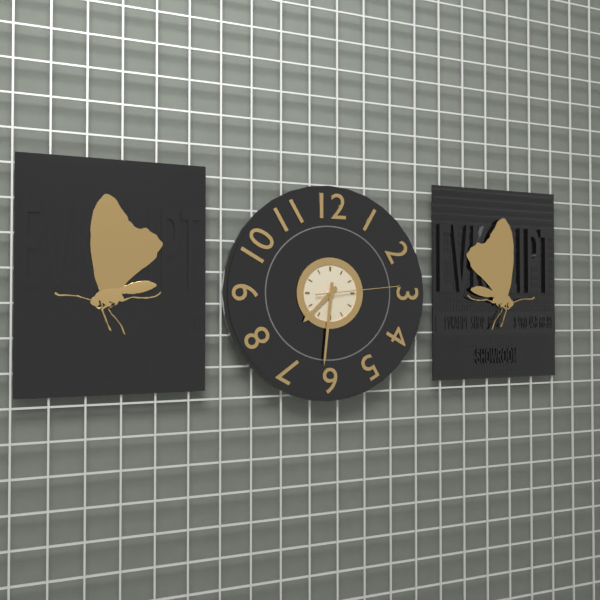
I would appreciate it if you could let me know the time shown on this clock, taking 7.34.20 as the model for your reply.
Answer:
7.31.14
